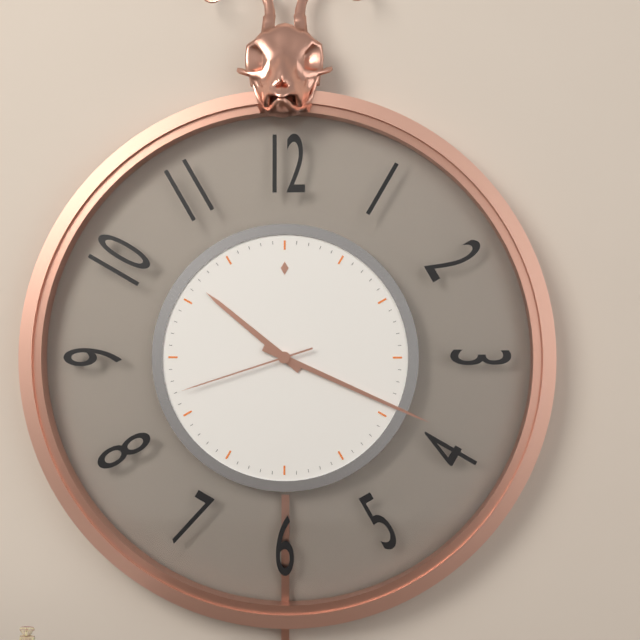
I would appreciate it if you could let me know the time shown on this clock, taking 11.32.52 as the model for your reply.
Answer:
10.19.42
